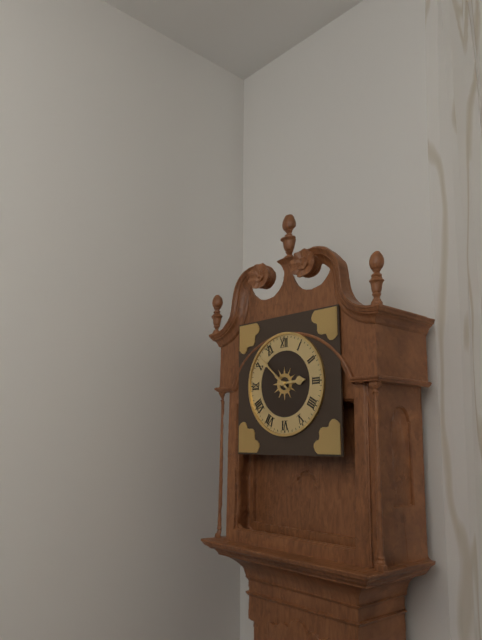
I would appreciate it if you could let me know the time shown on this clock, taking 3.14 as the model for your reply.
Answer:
2.52
